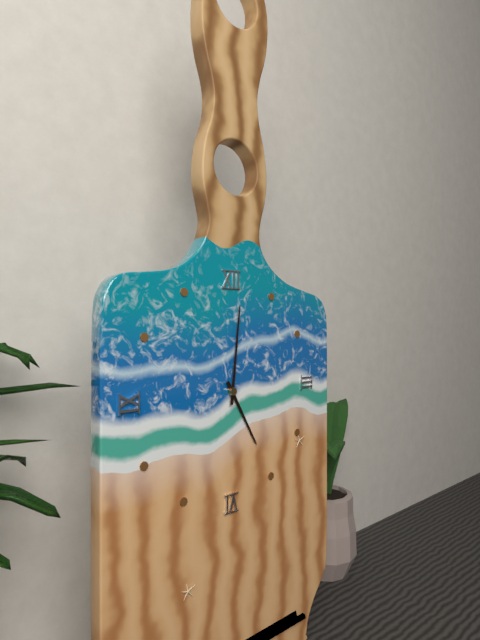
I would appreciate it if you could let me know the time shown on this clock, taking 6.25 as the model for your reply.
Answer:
5.01
